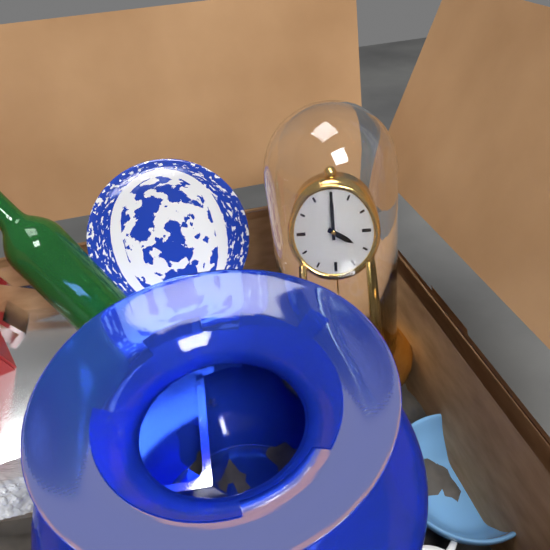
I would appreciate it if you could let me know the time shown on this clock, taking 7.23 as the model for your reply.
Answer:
4.00
